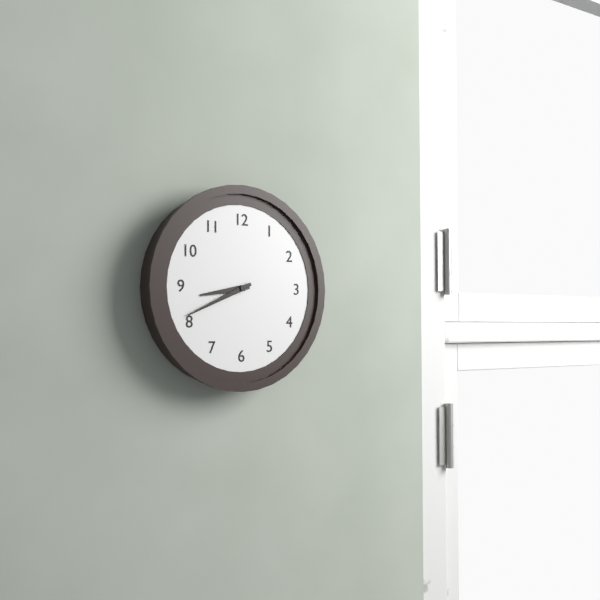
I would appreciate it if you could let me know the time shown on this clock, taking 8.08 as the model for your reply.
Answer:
8.41
